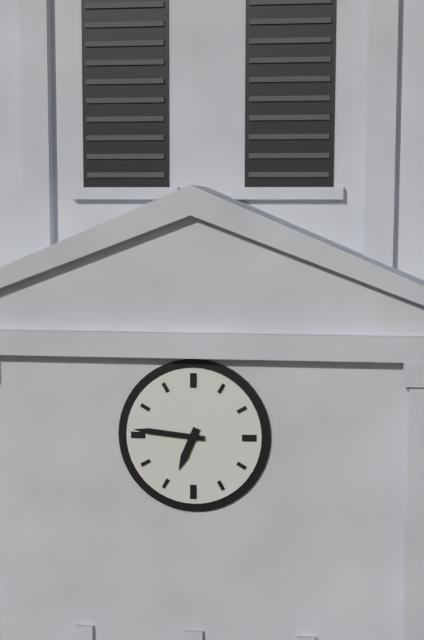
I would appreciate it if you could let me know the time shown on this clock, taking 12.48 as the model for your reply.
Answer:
6.46
